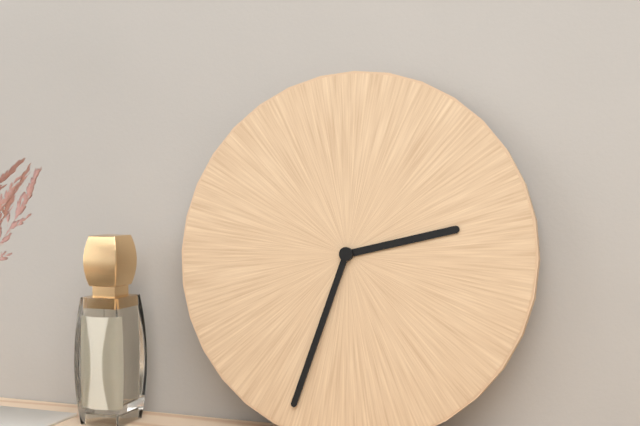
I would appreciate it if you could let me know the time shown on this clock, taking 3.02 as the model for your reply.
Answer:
2.33
